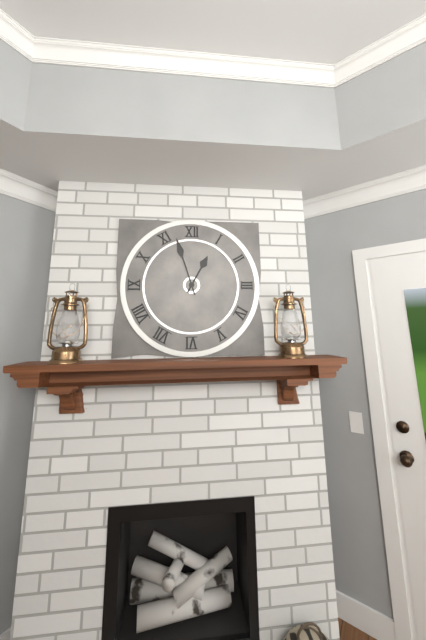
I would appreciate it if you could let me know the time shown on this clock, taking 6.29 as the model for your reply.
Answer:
12.57
